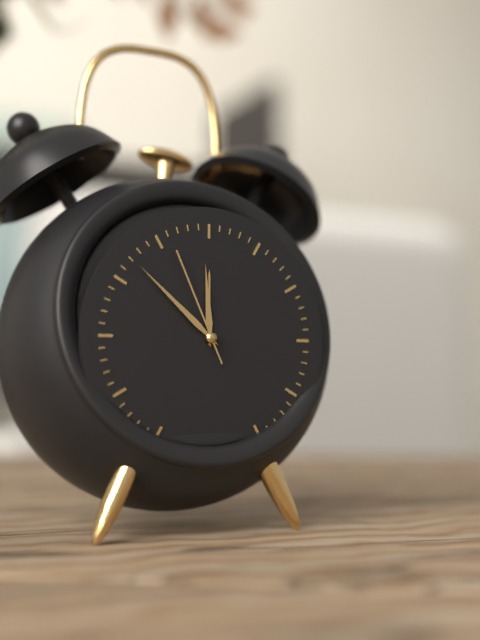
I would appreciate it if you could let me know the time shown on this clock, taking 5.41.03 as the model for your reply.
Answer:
11.52.56
